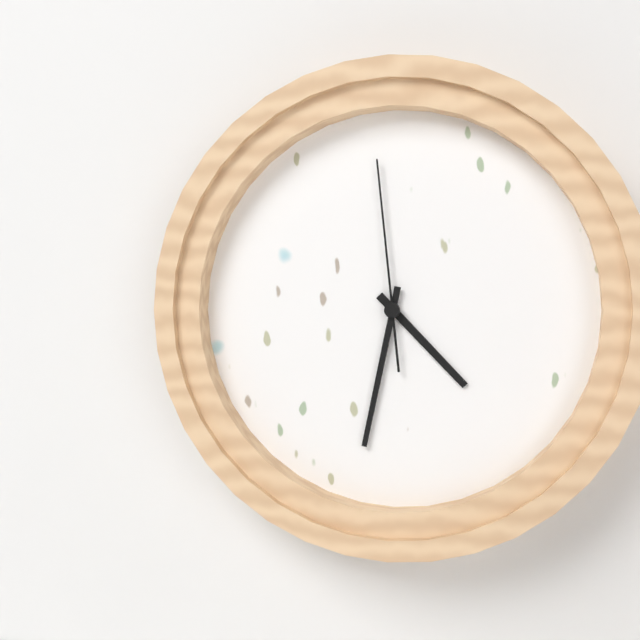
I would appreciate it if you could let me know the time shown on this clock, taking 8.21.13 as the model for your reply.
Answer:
4.32.59
